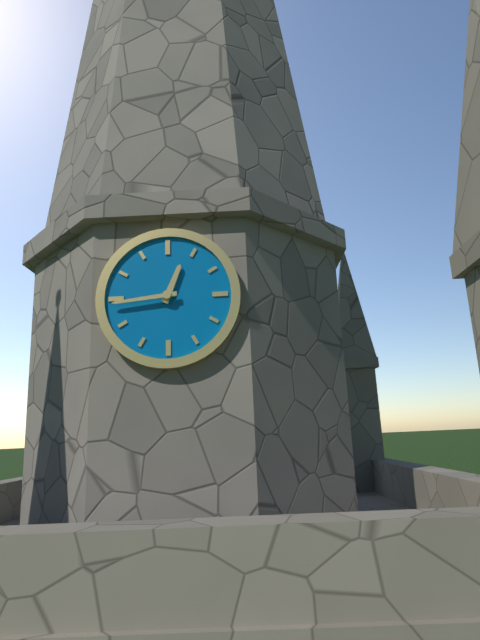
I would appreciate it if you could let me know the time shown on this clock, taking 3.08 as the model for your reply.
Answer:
12.44
